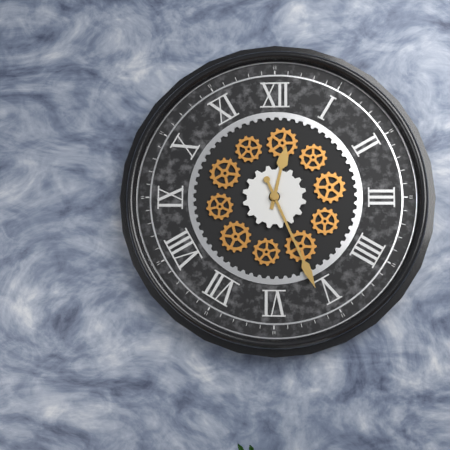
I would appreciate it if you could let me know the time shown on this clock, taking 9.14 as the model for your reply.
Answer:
12.26
